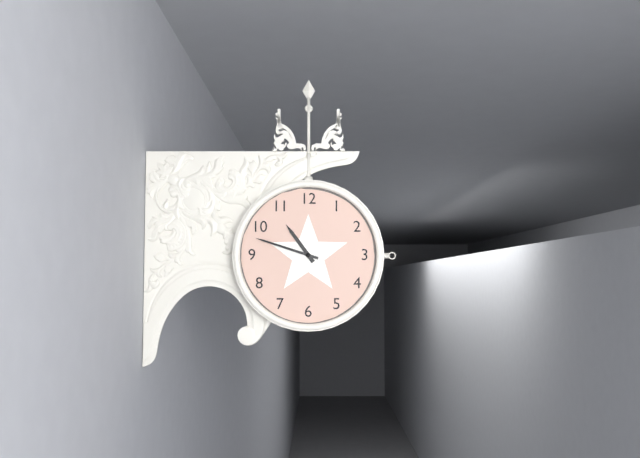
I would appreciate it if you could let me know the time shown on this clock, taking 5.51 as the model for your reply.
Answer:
10.48
